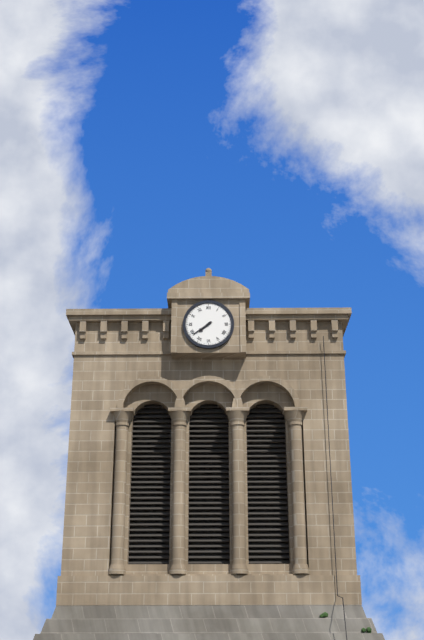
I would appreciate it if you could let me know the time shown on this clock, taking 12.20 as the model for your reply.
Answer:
7.39
